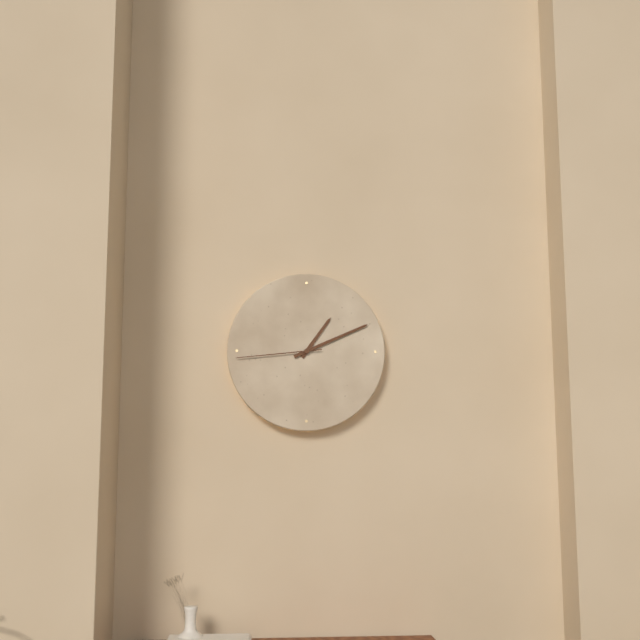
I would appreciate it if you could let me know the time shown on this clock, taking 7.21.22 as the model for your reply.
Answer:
1.11.44
